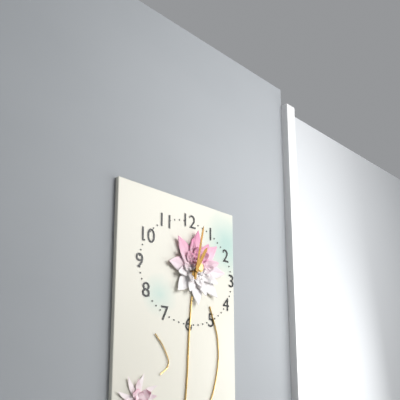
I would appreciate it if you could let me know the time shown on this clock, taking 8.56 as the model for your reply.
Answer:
1.02
